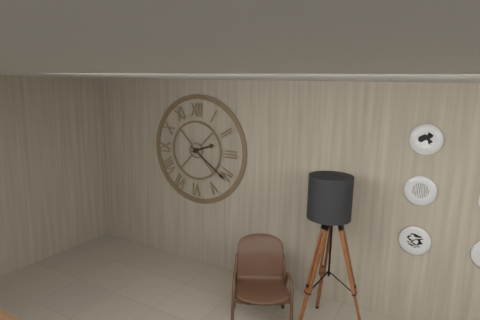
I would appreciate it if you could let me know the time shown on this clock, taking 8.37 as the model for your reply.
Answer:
2.21
